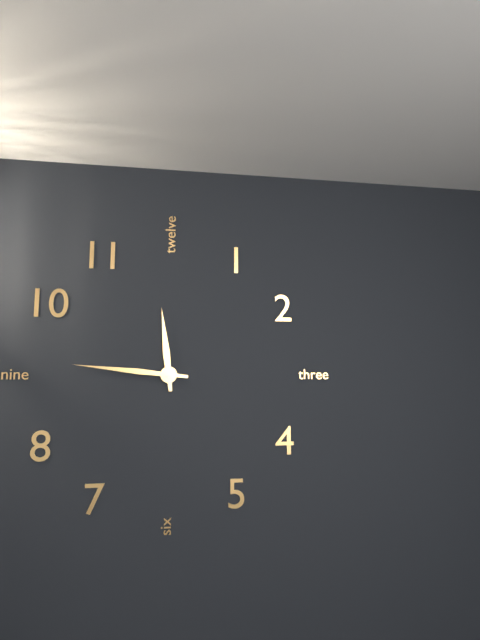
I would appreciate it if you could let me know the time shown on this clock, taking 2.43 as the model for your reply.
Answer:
11.46
